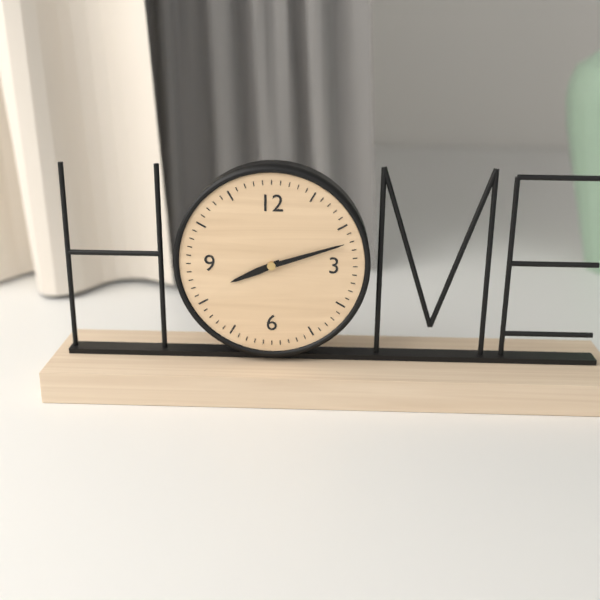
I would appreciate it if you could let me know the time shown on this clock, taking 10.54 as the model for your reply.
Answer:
8.12
